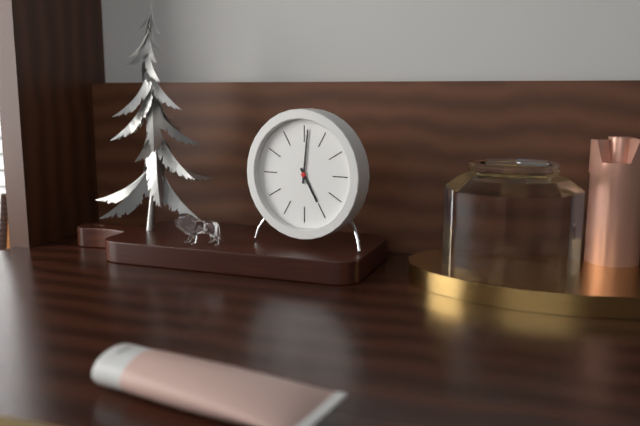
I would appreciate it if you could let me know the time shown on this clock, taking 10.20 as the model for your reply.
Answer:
5.01
